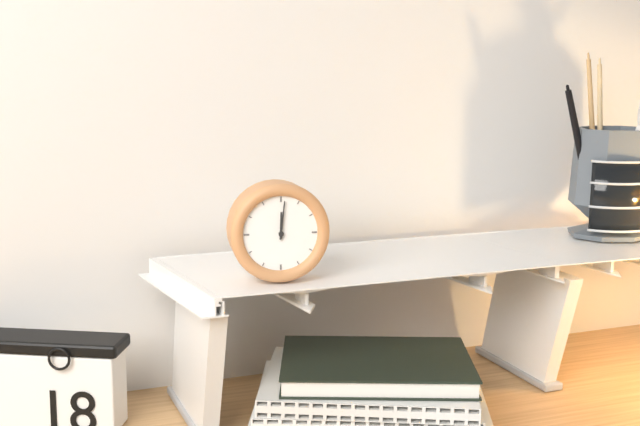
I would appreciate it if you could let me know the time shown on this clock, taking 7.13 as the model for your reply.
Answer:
12.01
